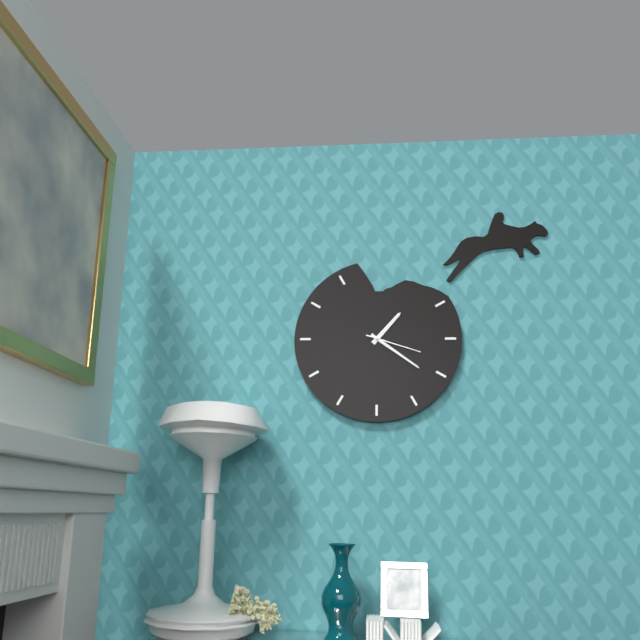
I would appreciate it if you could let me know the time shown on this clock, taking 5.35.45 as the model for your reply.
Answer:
1.21.18
